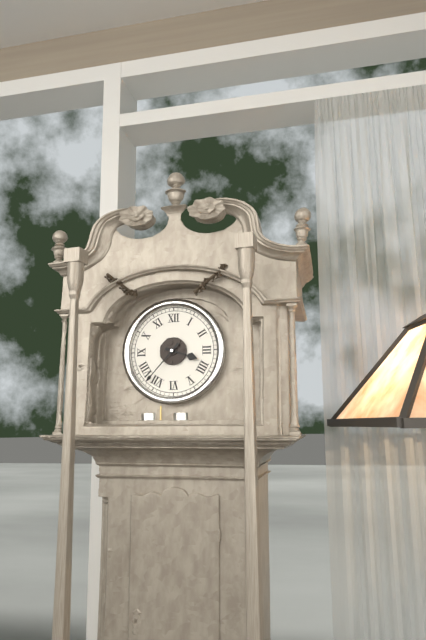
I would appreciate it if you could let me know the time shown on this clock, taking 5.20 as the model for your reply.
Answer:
3.37
